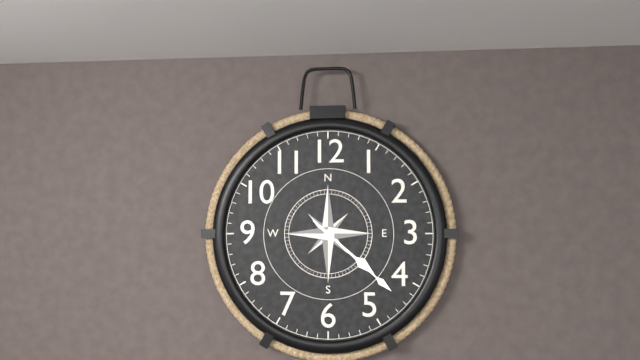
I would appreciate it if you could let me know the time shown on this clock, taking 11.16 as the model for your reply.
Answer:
4.22
